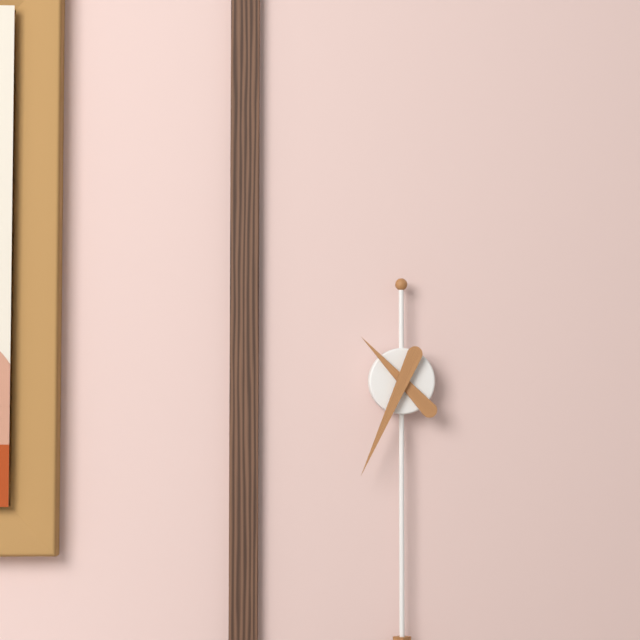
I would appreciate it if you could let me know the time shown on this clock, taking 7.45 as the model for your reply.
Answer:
10.34
